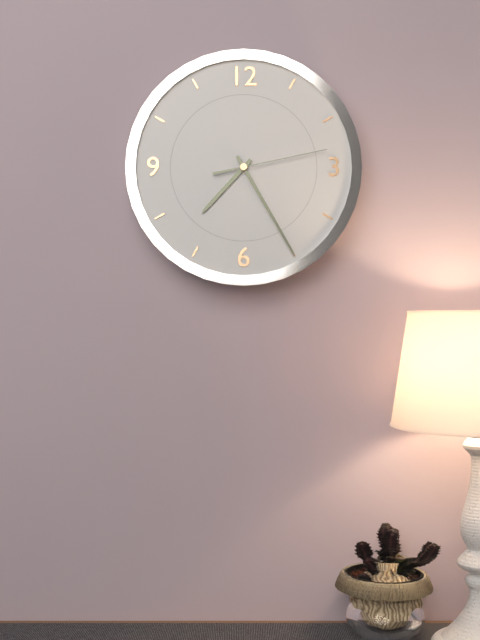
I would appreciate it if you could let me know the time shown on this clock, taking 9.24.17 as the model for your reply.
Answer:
7.25.13
